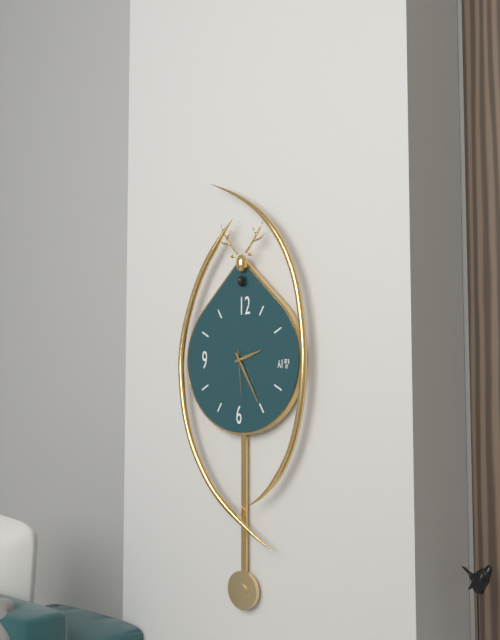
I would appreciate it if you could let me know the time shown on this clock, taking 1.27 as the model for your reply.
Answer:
2.25
